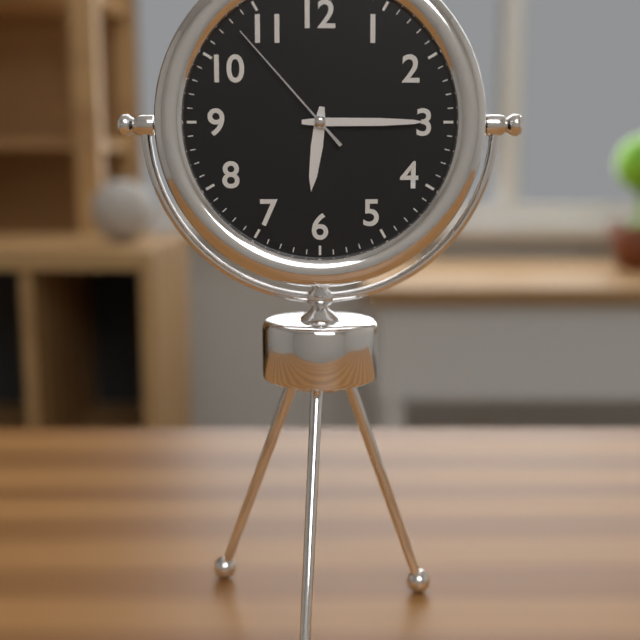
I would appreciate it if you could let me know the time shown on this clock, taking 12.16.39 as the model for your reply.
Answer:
6.15.53
